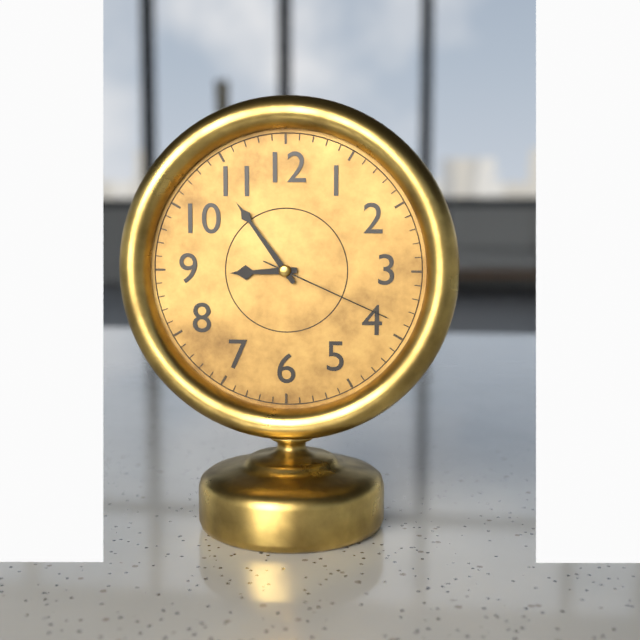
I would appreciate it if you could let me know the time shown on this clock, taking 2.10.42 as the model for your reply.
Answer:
8.54.19
